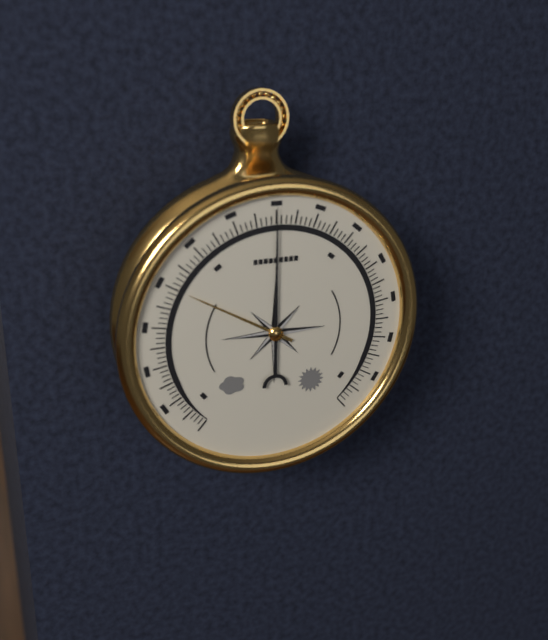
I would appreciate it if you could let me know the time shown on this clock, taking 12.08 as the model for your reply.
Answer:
10.00
